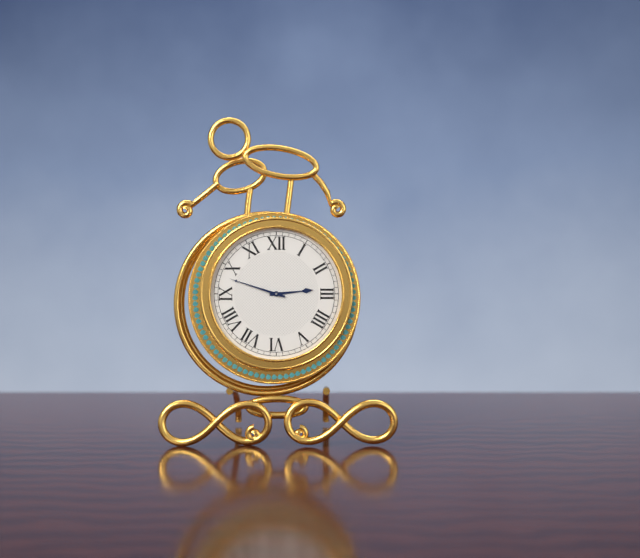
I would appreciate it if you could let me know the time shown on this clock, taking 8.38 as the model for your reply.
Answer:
2.48
